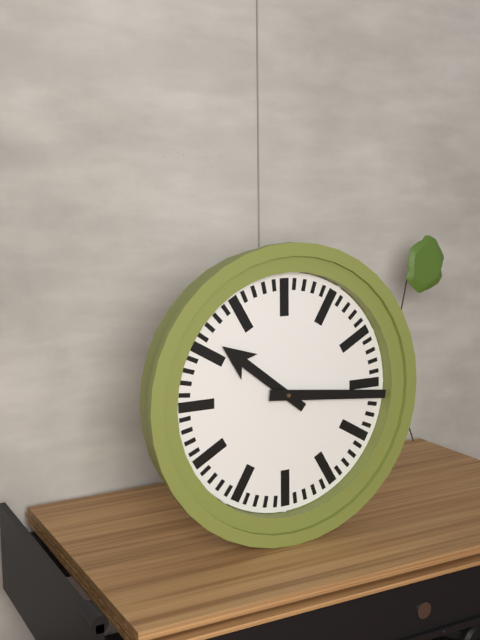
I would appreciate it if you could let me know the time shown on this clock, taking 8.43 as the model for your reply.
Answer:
10.16
